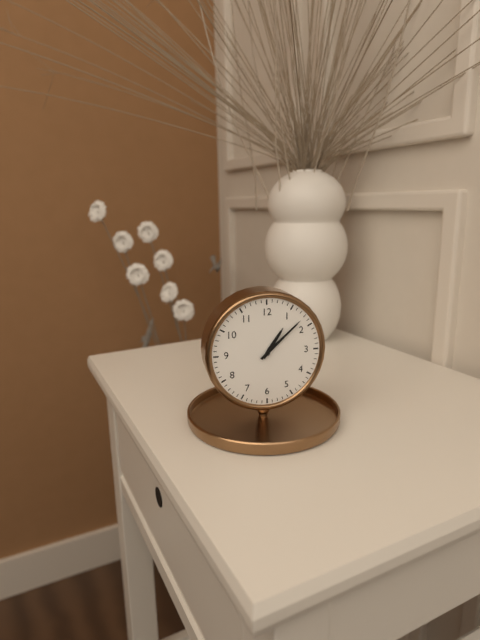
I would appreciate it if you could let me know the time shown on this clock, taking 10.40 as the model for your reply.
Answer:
1.08
